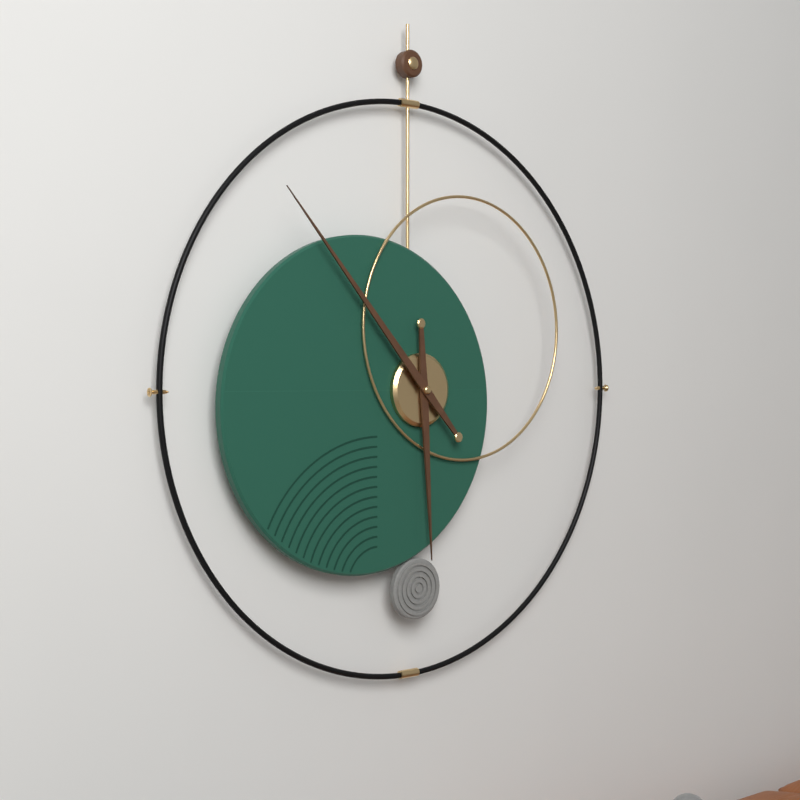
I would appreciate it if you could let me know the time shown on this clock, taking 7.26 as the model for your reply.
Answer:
5.53
